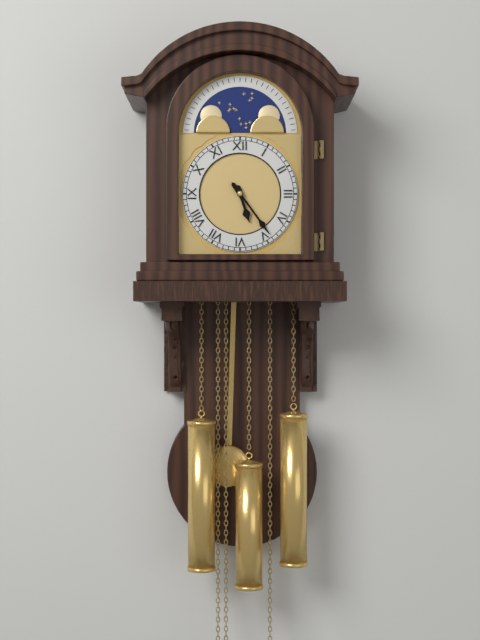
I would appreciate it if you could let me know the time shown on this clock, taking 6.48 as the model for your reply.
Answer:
5.24
